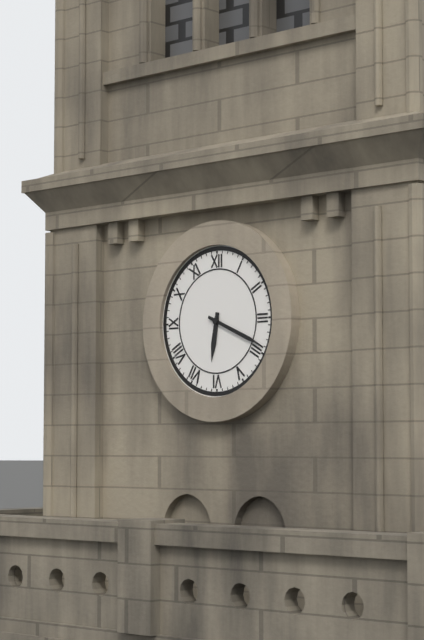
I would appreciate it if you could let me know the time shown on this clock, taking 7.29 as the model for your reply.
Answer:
6.19
